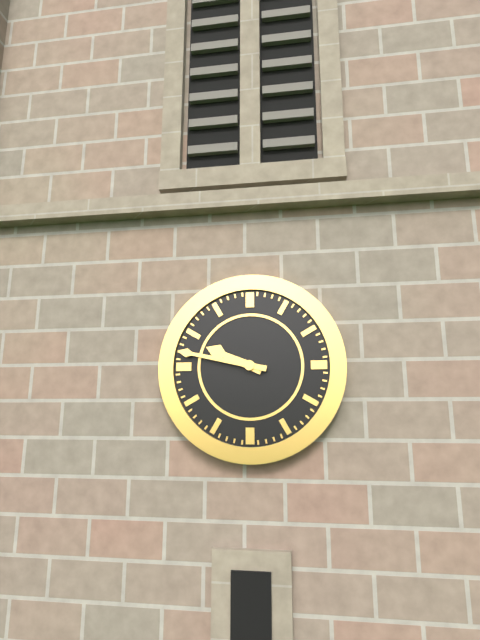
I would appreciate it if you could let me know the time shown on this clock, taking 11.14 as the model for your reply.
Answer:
9.47
